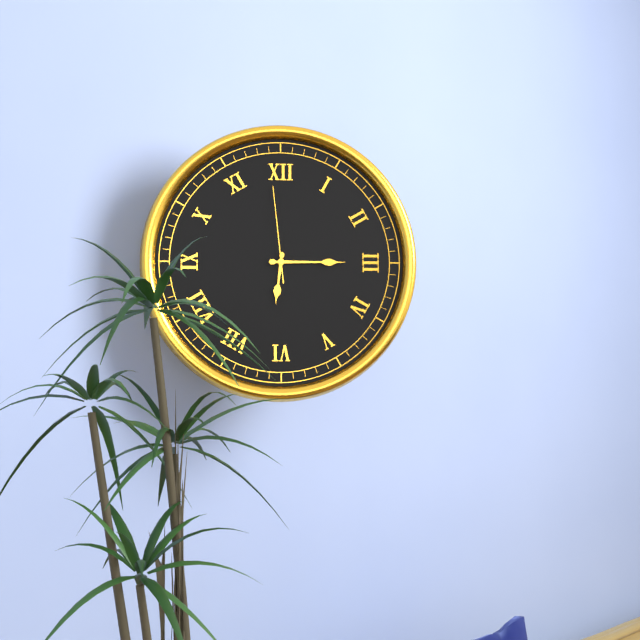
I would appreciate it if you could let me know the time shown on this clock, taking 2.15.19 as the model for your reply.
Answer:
6.15.59
